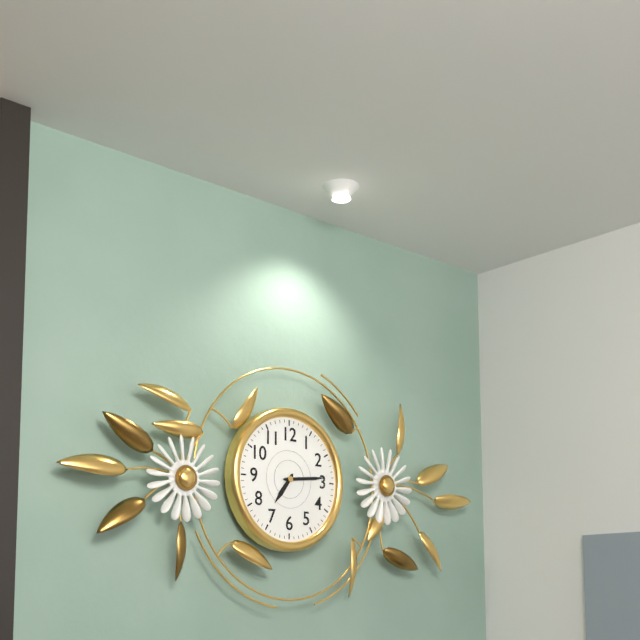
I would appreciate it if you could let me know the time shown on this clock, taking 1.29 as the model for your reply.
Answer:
7.14
